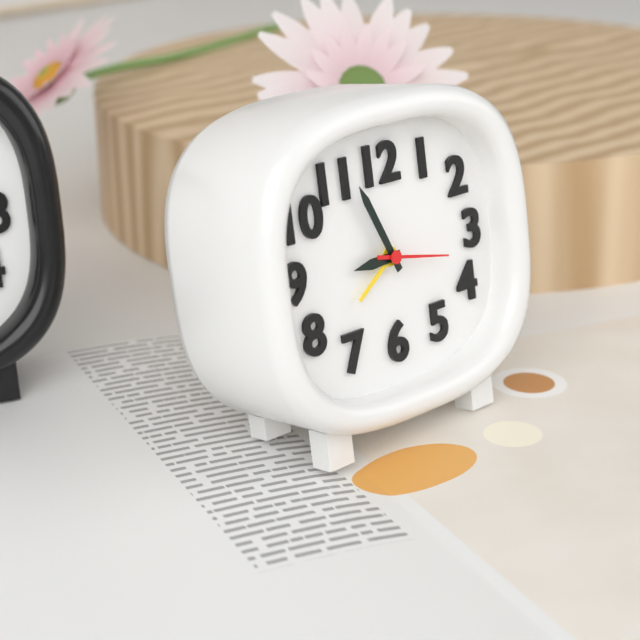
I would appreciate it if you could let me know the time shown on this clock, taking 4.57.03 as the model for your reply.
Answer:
8.56.17
